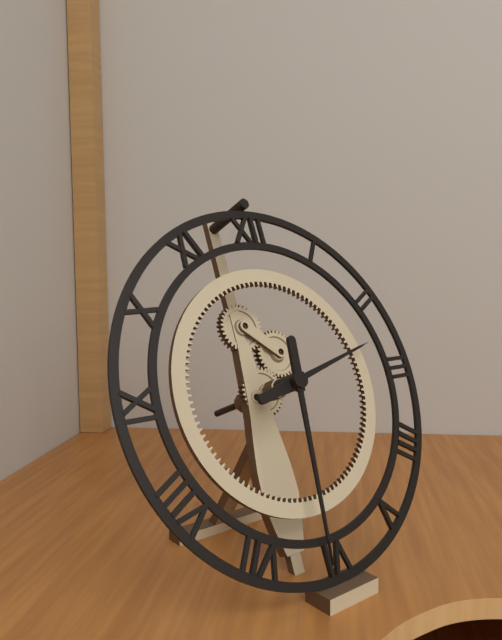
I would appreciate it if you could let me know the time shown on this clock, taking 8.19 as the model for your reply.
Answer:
2.31
